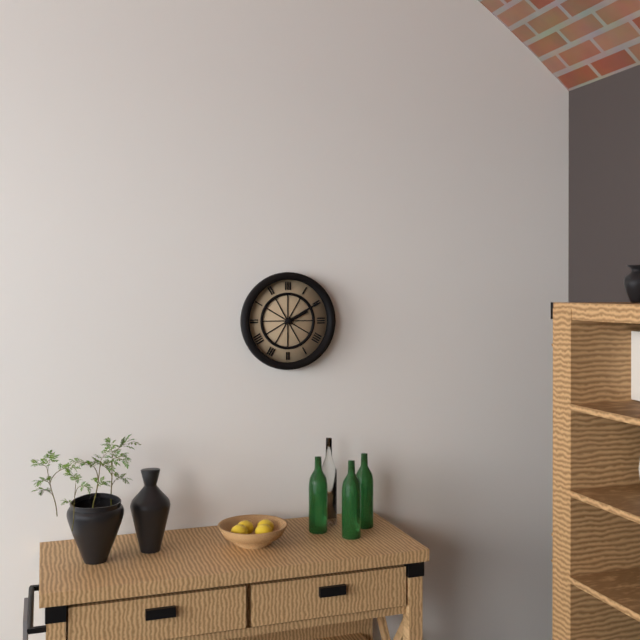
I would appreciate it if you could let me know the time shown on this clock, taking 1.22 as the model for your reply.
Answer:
2.10
